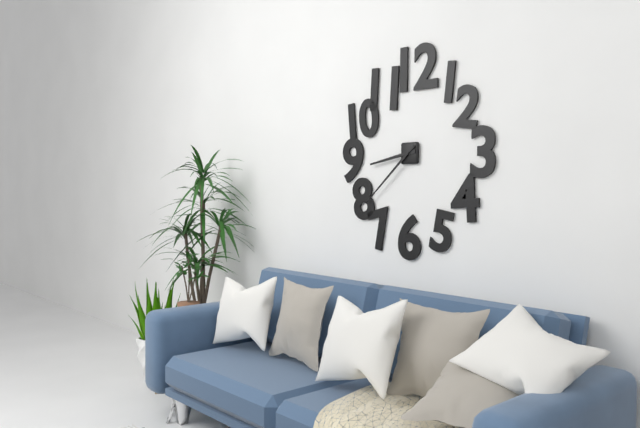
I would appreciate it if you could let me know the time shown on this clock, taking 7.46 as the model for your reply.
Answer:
8.38
